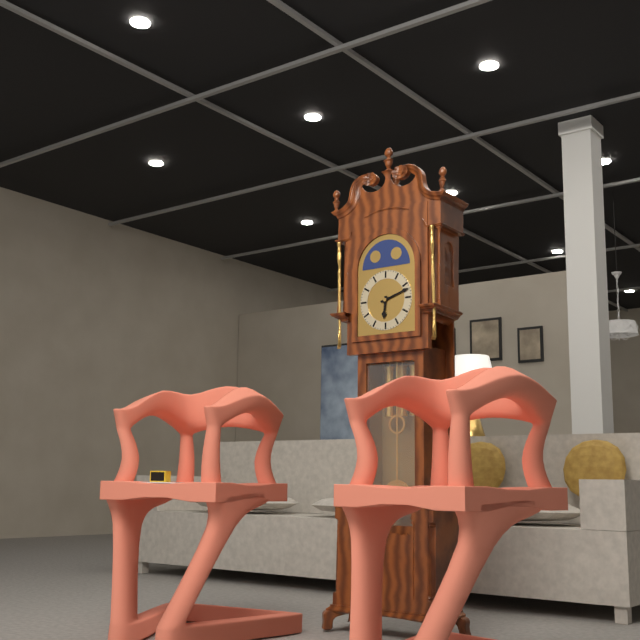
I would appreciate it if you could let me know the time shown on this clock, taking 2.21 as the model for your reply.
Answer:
6.12
